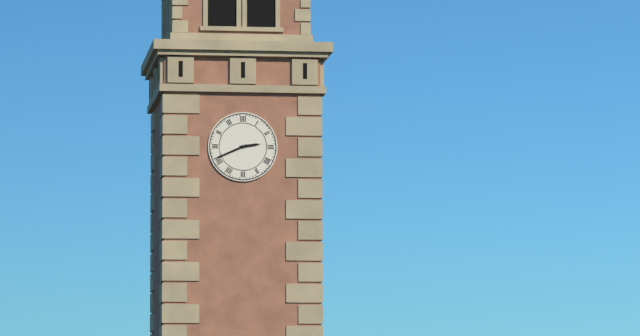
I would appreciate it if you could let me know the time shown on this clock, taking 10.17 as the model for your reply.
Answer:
2.41
